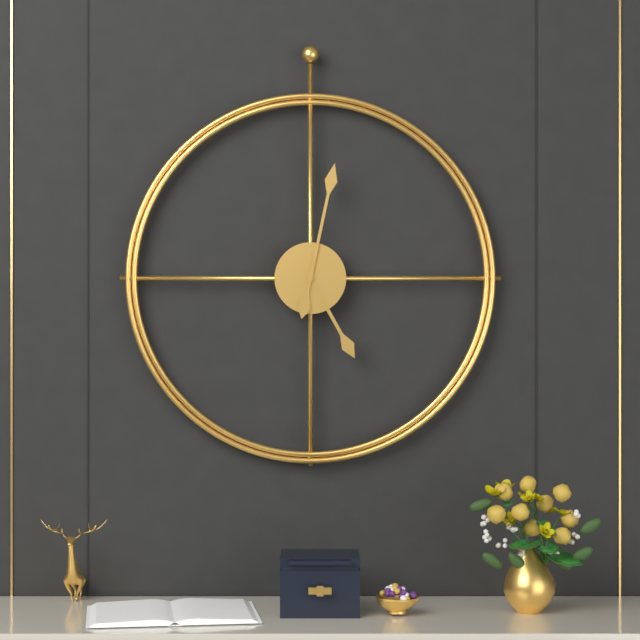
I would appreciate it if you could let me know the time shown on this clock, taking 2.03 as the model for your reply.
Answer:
5.02
